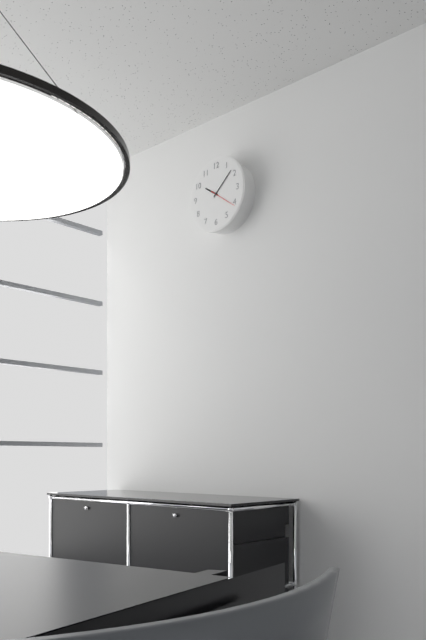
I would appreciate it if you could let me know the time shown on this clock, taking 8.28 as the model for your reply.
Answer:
10.08
